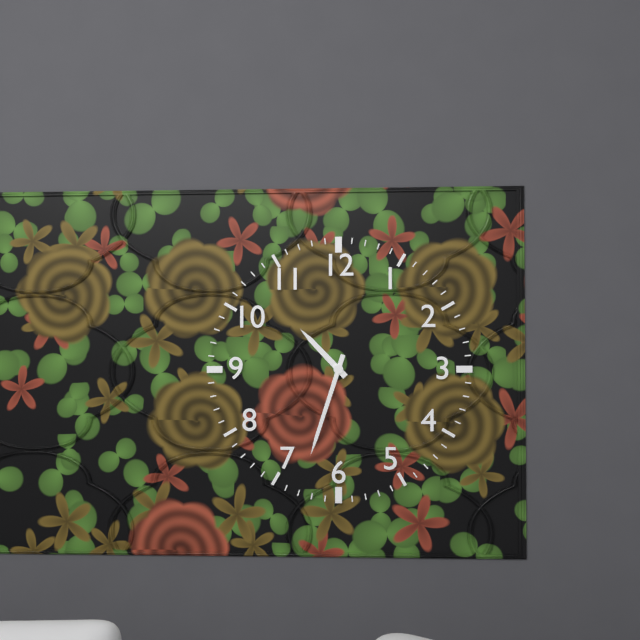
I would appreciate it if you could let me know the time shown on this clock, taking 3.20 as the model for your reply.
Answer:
10.33
